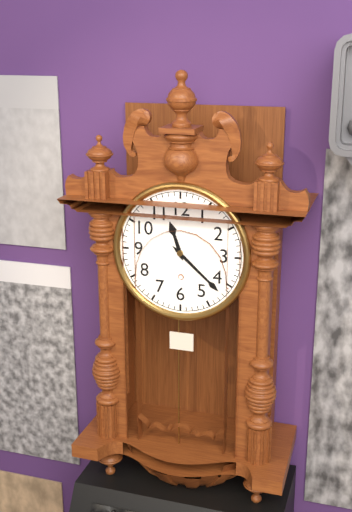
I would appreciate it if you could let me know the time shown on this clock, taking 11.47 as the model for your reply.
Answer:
11.22
